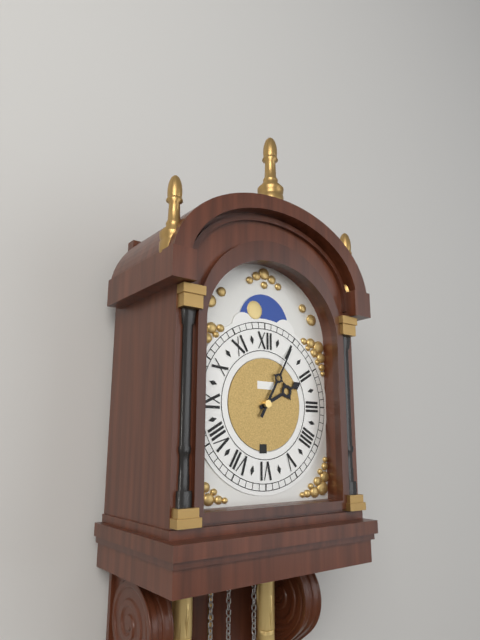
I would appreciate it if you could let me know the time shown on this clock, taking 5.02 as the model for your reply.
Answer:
2.05
